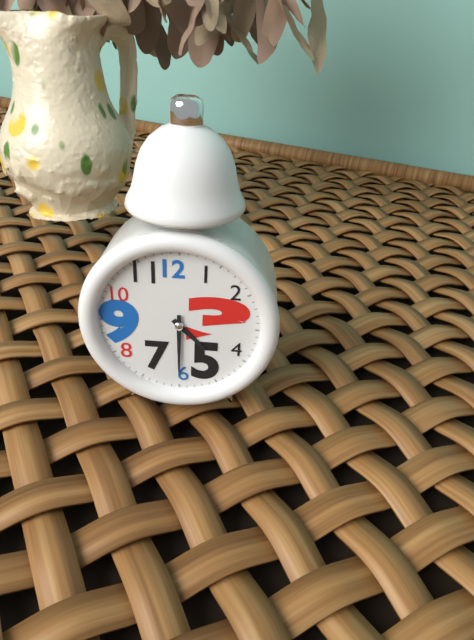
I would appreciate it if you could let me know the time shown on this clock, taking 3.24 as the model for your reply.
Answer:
4.30
